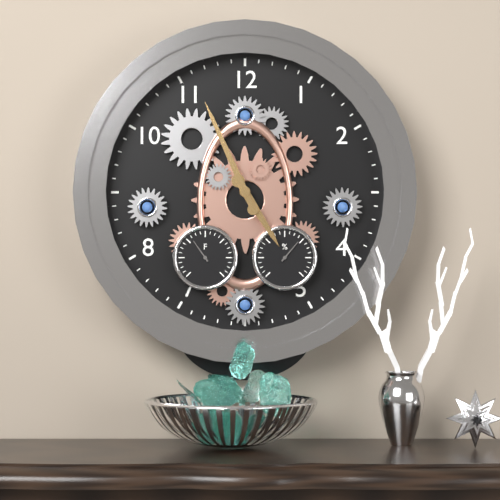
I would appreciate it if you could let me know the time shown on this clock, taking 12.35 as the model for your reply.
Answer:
4.56
